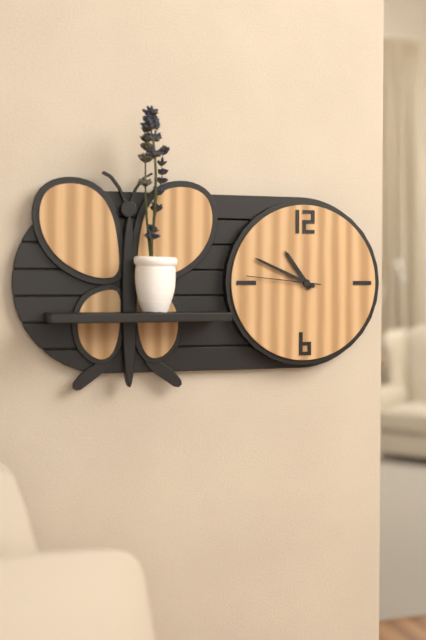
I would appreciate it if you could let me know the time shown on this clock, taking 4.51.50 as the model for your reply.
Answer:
10.49.46
